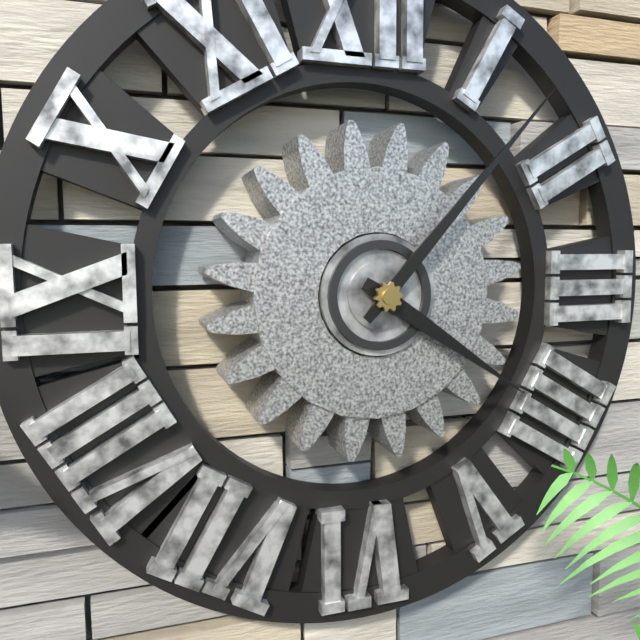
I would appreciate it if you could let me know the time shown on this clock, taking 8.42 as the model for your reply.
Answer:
4.07
